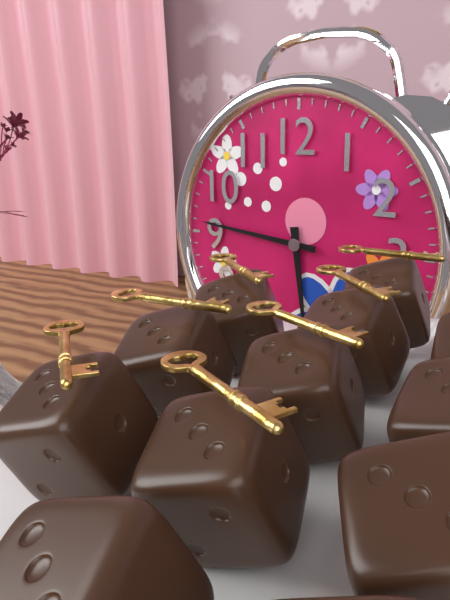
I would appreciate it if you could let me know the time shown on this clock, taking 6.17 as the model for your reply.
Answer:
5.46
